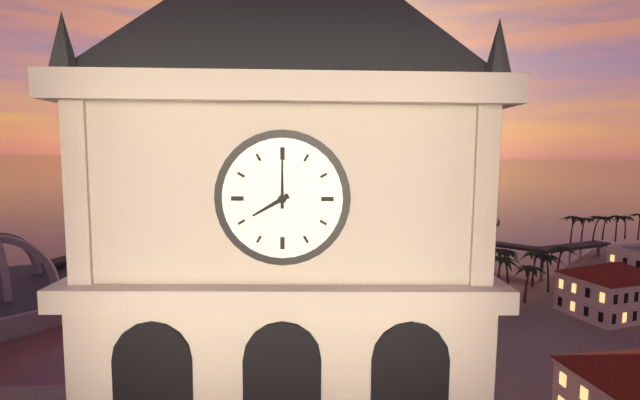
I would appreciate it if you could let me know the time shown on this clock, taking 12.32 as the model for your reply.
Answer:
8.00
